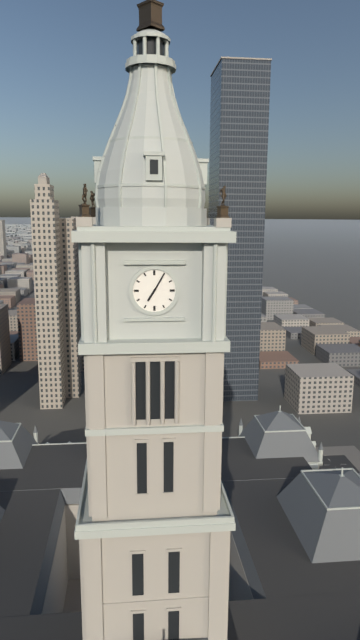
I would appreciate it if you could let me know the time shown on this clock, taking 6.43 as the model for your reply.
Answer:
7.05
